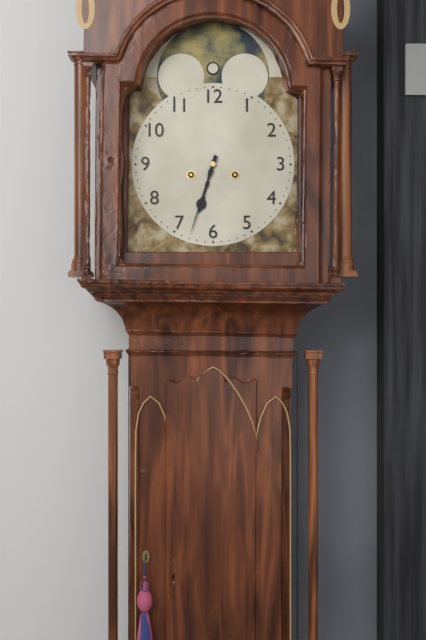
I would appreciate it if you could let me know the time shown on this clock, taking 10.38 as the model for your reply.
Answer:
6.33
